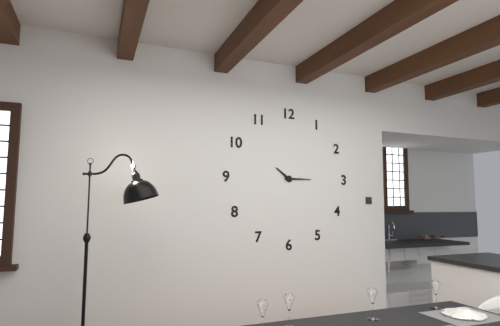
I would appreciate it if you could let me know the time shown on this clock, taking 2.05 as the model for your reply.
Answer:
10.15
